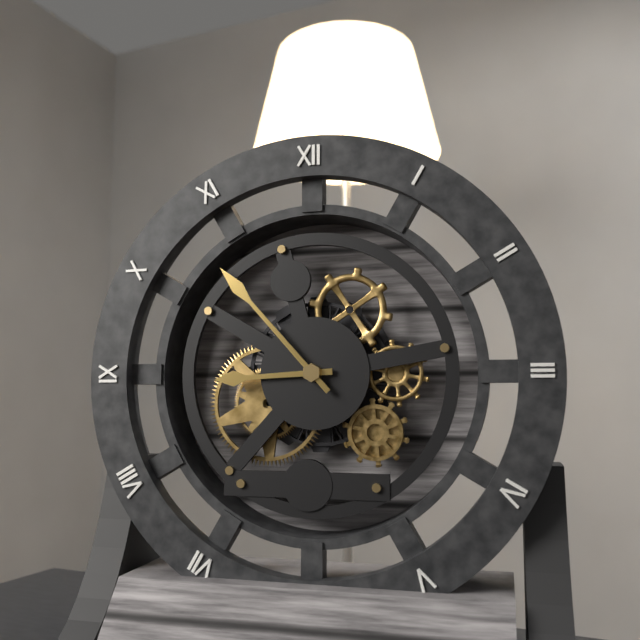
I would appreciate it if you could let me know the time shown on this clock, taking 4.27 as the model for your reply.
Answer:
8.53
